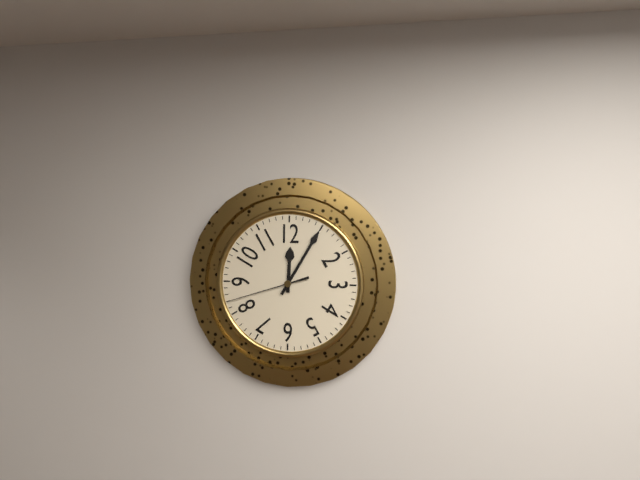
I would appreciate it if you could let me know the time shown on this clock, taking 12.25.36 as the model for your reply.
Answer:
12.05.42
